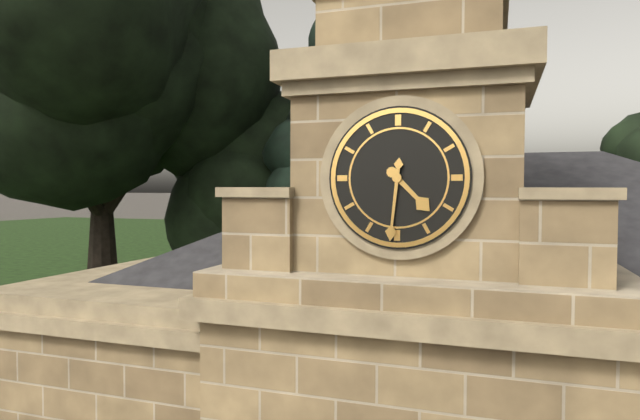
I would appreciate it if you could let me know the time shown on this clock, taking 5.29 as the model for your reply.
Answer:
4.31
